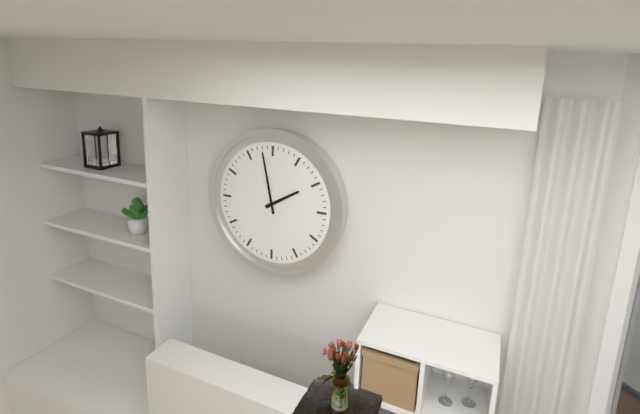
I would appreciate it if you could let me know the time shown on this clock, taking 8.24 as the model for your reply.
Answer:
1.58
